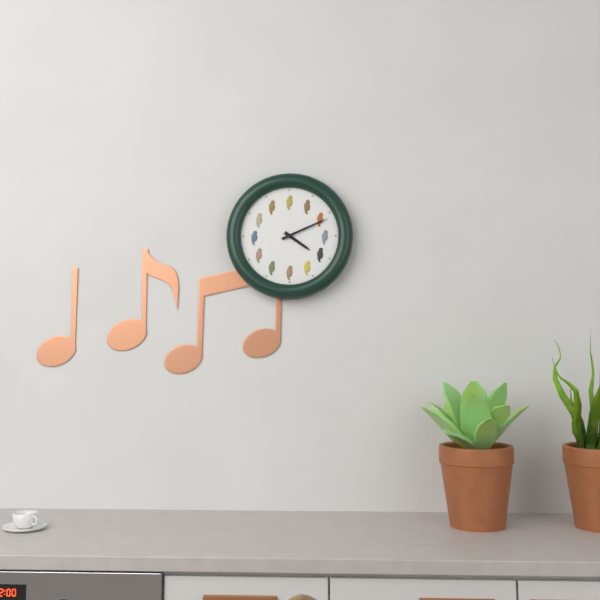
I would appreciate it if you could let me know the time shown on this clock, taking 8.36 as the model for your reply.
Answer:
4.11
